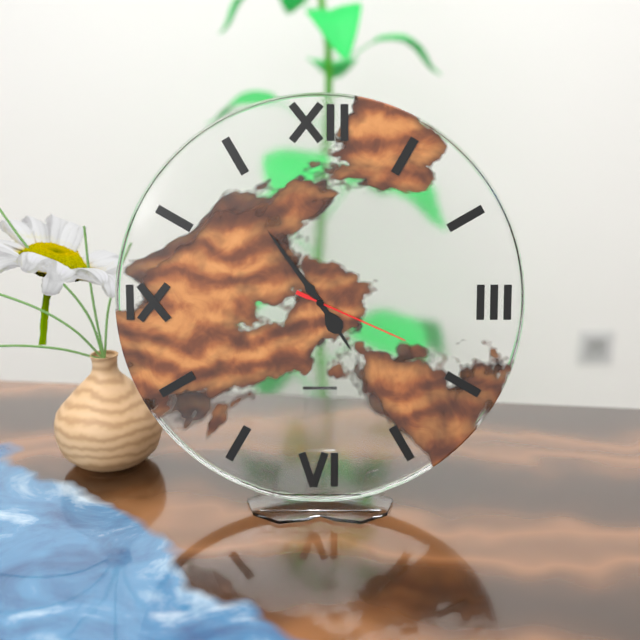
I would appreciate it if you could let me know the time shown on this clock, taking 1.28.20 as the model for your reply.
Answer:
4.54.19
